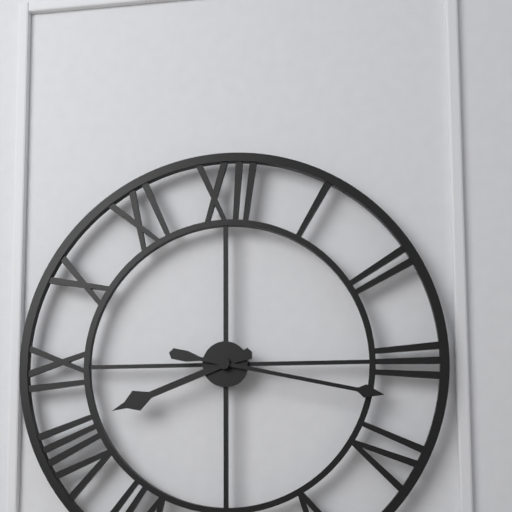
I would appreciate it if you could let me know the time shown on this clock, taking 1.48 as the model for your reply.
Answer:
8.17
